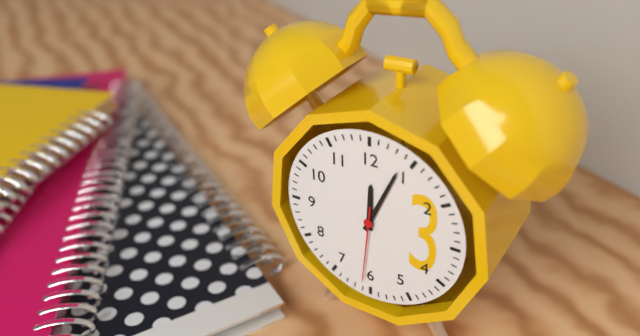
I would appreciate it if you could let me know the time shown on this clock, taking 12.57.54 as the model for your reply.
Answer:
12.04.31
